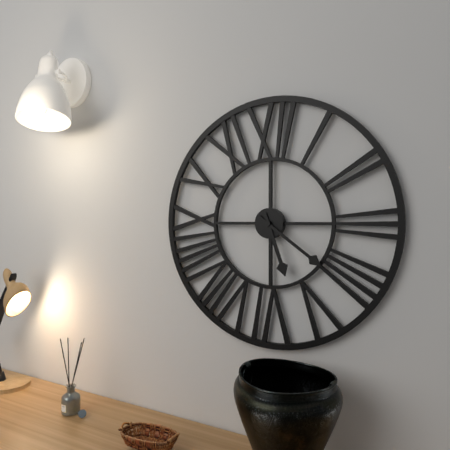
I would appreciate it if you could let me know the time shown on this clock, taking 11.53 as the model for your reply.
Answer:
5.21
